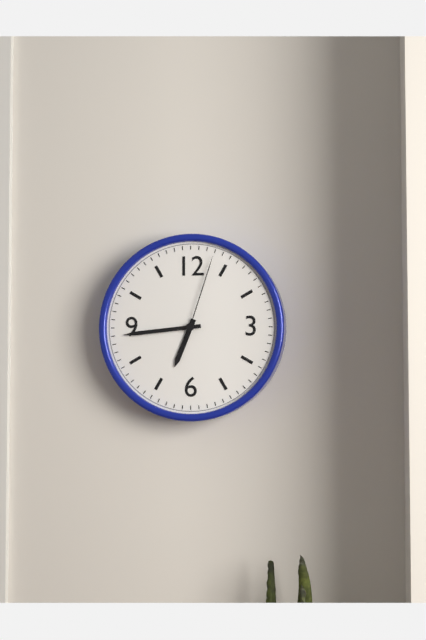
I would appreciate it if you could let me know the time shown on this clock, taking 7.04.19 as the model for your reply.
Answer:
6.44.03
